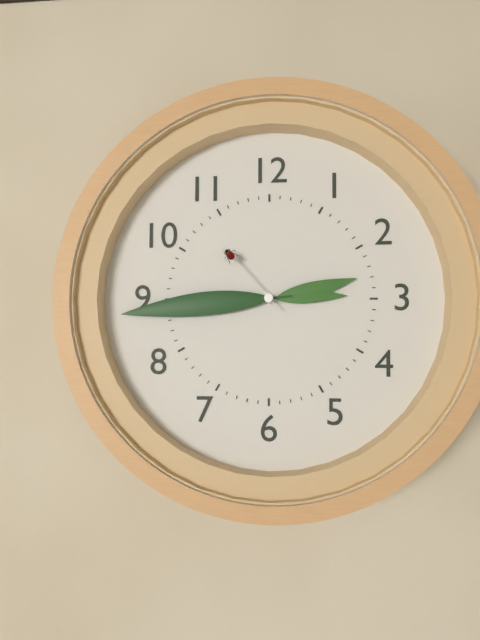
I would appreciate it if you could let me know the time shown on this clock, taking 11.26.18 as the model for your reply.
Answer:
2.44.53
